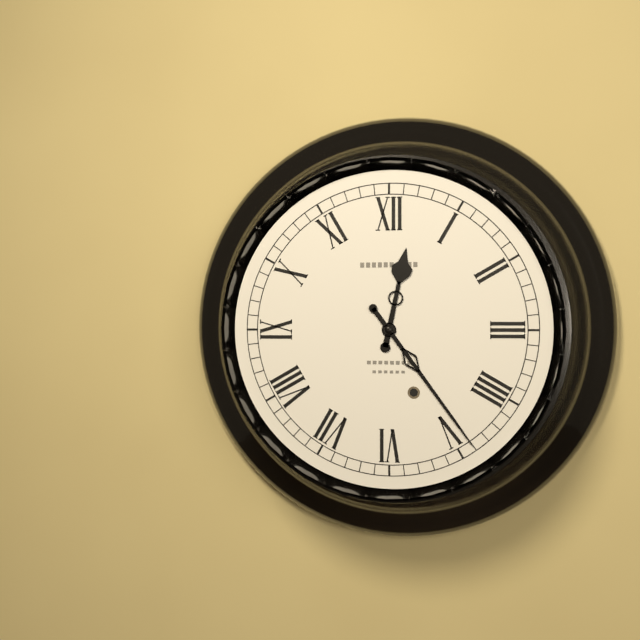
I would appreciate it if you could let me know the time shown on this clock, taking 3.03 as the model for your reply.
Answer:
12.24
